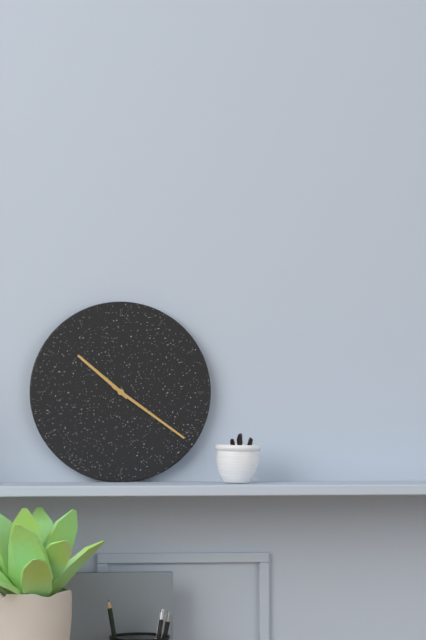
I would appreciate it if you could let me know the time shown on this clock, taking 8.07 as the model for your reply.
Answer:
10.21
